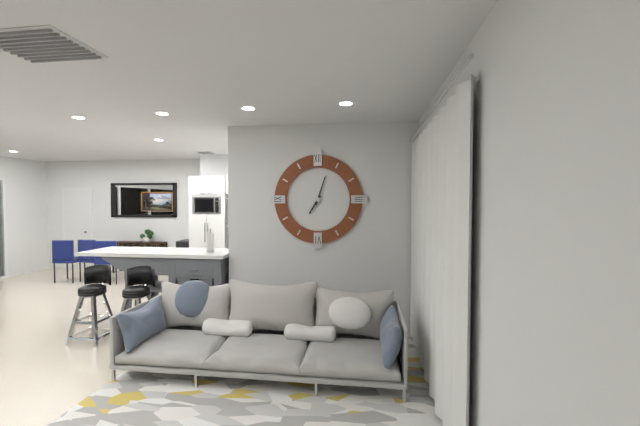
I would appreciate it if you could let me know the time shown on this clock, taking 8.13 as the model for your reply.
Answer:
7.03
